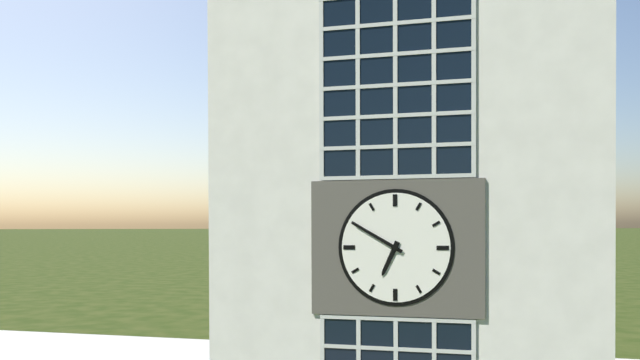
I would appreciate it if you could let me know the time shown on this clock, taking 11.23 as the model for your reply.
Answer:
6.50
